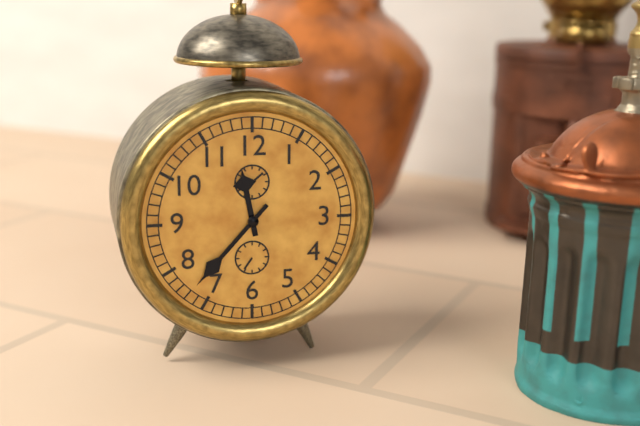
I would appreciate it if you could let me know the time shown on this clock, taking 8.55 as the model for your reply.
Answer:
11.37
